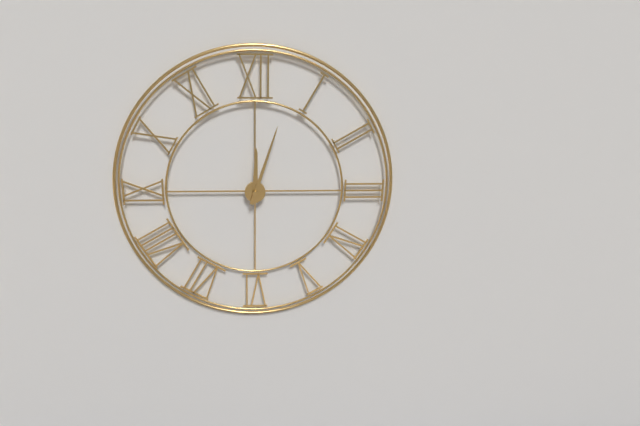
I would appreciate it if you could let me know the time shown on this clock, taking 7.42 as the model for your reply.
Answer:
12.03
